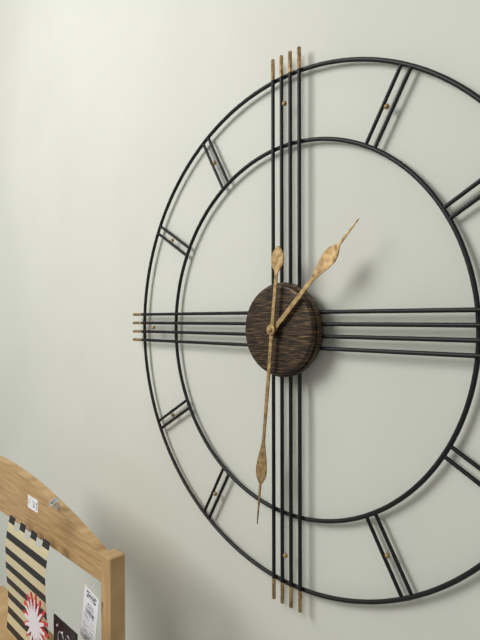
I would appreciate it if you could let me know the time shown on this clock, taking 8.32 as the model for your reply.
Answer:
1.31
